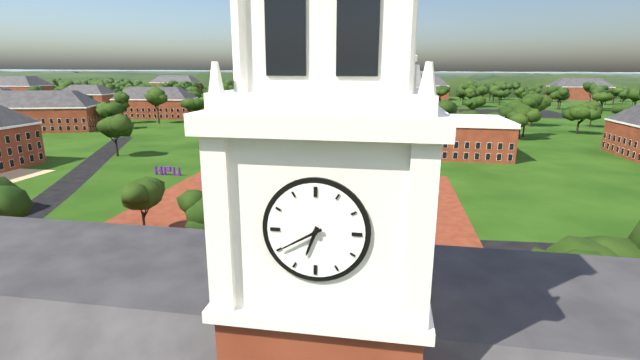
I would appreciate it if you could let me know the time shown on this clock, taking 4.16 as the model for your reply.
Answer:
6.40
